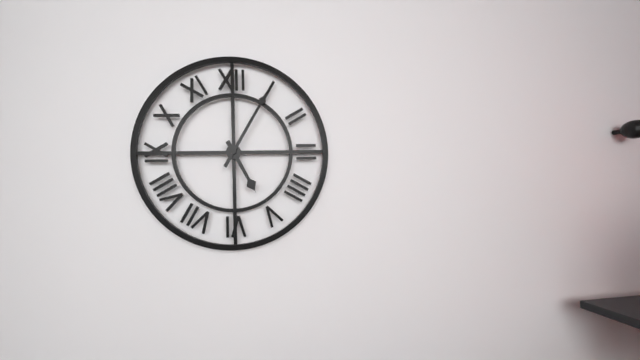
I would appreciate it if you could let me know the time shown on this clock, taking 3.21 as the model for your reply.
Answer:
5.05
